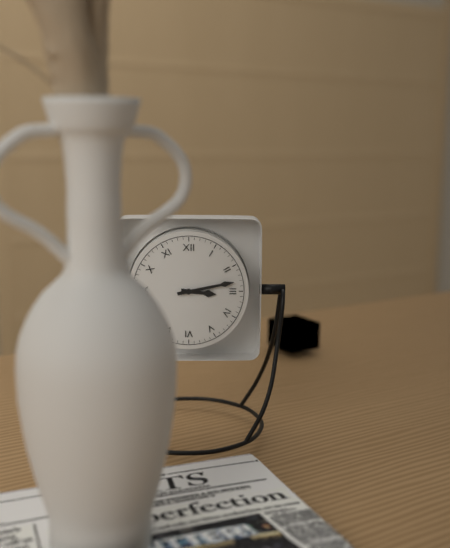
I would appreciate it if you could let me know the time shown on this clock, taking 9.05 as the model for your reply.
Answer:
3.13
